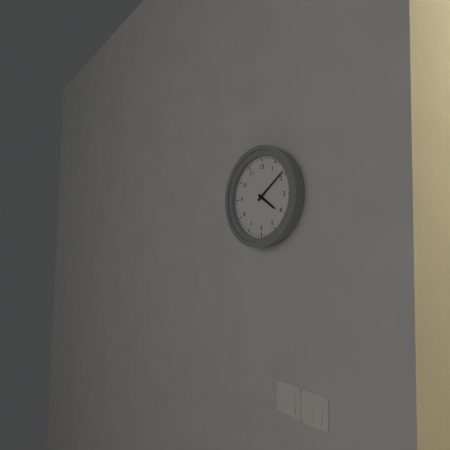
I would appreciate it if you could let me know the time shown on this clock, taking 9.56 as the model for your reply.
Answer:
4.09
